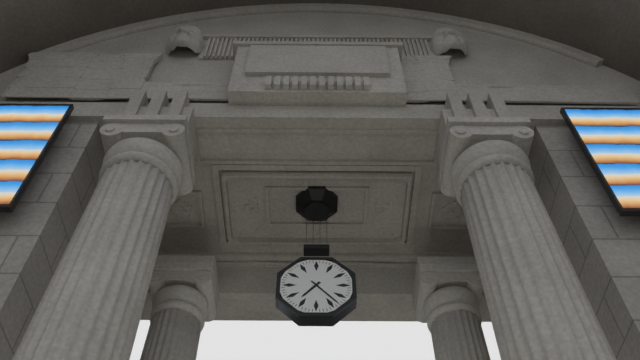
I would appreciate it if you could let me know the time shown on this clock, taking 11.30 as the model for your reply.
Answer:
7.23
